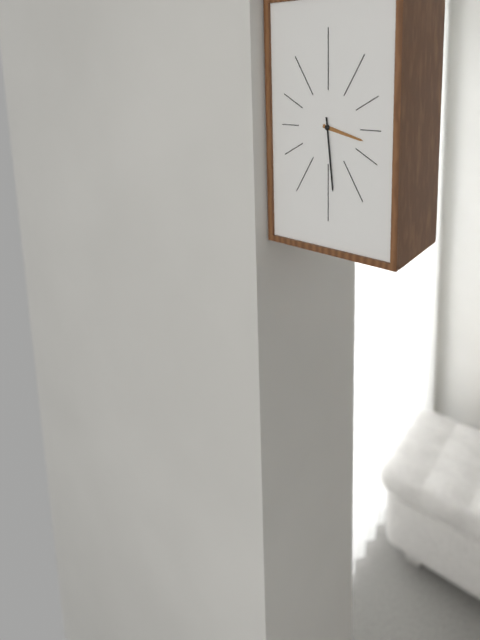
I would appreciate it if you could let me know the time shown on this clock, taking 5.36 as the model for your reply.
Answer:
3.29
